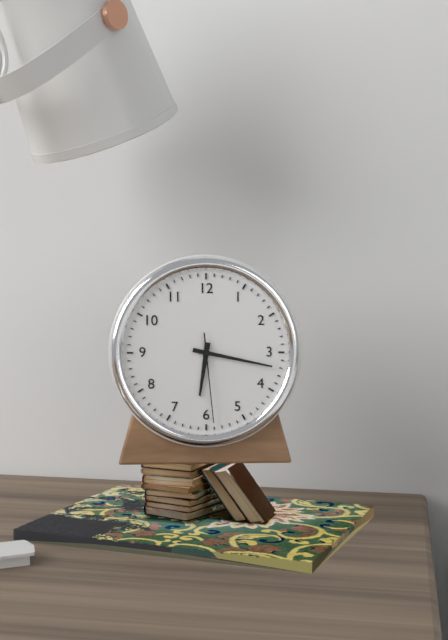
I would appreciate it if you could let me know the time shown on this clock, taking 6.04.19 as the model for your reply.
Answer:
6.17.29
